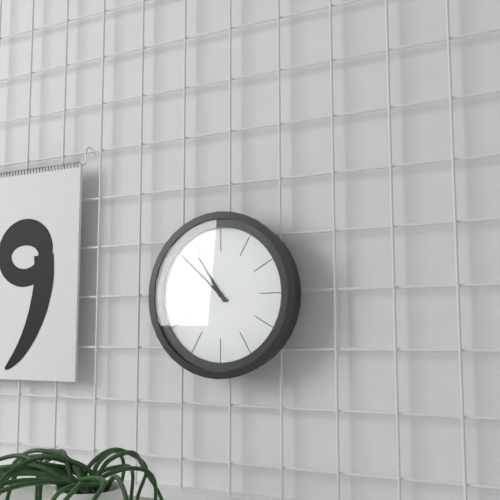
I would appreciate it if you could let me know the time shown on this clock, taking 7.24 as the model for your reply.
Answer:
10.52
